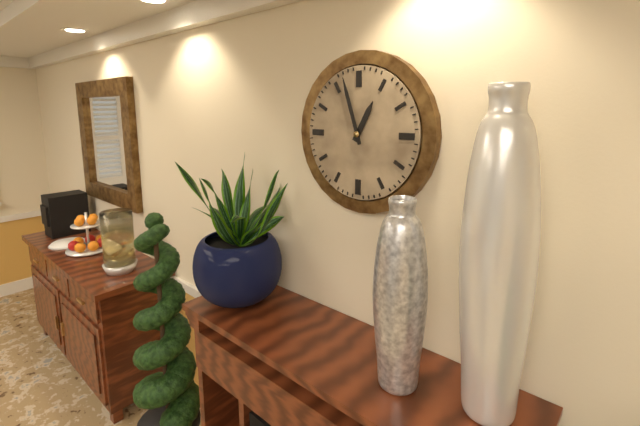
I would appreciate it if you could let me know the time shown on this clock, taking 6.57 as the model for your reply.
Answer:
12.57
